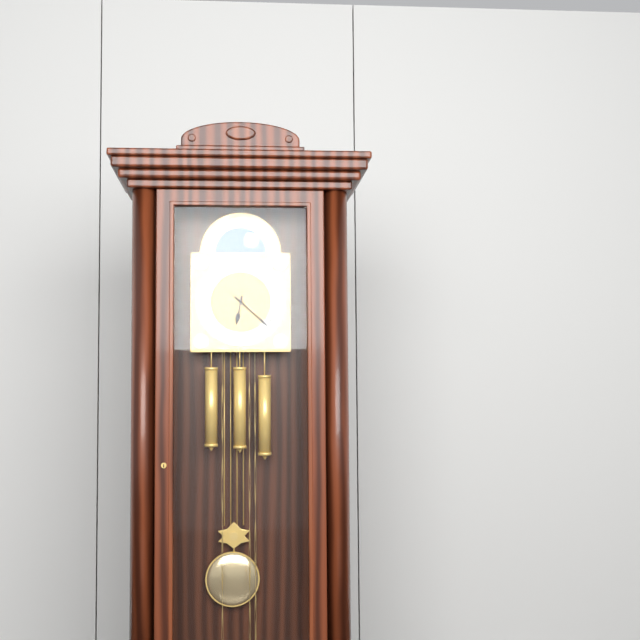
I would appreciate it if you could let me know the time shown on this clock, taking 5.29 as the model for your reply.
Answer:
6.22
